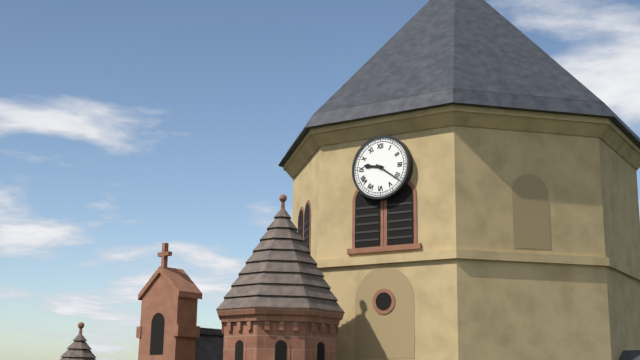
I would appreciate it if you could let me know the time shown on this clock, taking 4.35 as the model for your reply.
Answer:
9.21
